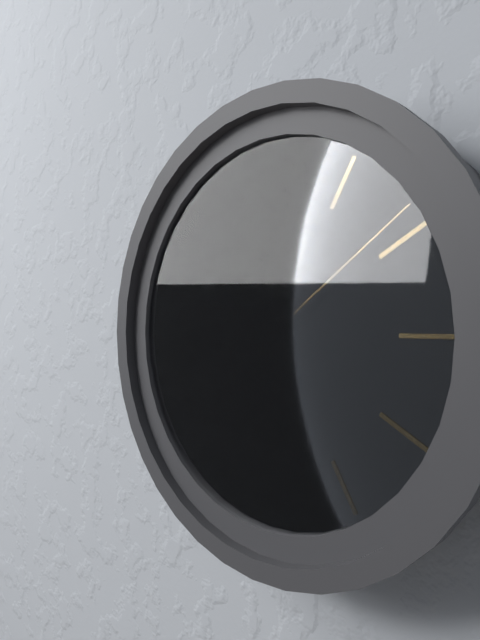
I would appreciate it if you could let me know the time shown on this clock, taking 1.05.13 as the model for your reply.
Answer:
7.30.09
